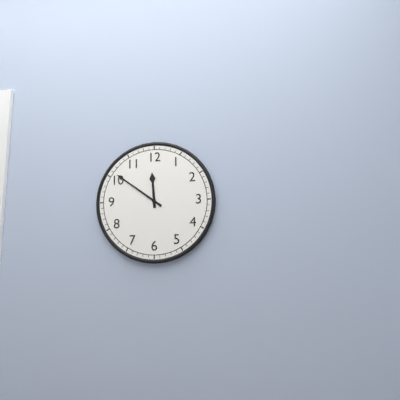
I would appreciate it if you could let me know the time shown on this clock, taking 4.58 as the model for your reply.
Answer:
11.51
